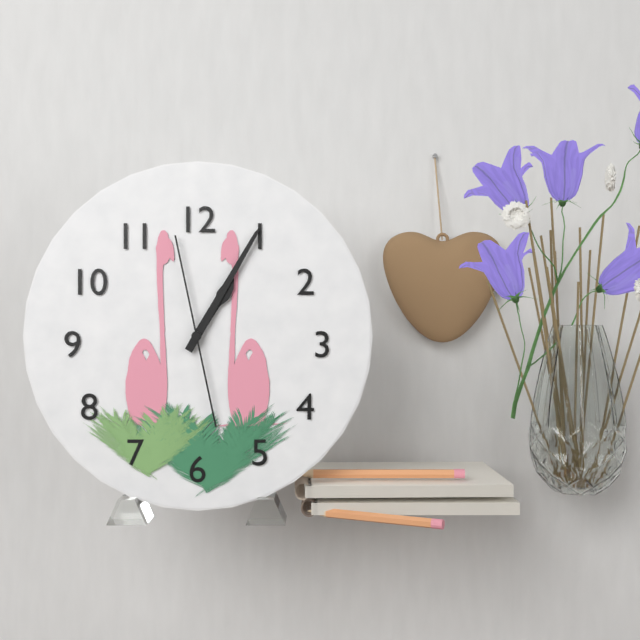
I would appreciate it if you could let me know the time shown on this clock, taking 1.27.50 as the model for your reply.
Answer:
1.05.58
